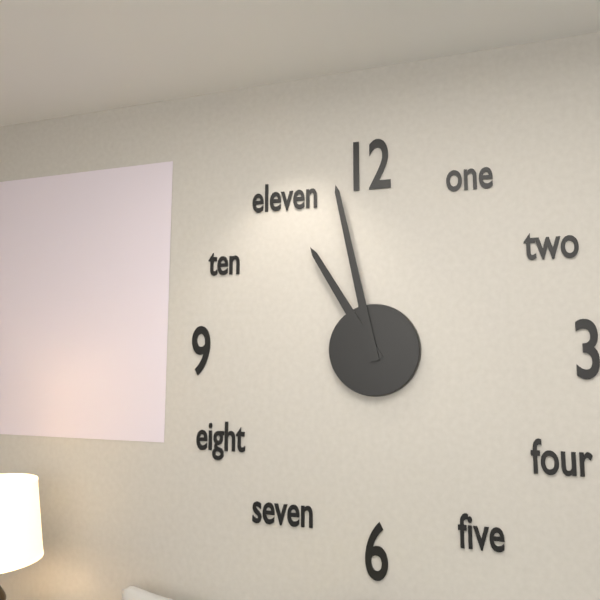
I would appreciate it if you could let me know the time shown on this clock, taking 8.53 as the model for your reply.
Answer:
10.58
